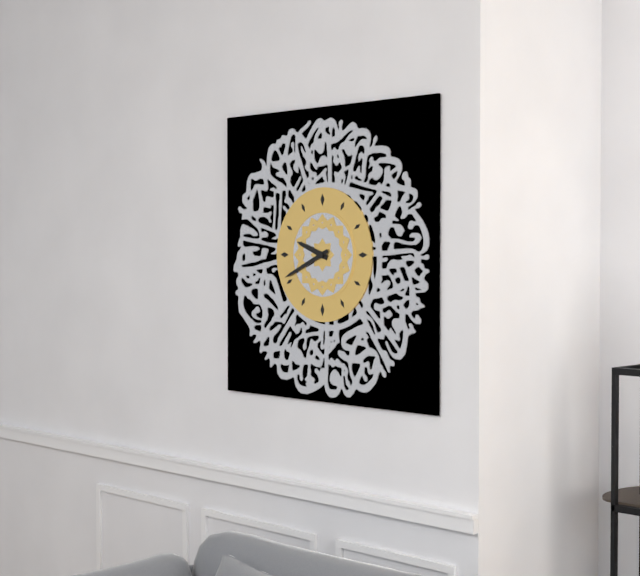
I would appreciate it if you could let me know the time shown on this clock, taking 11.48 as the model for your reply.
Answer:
9.41
